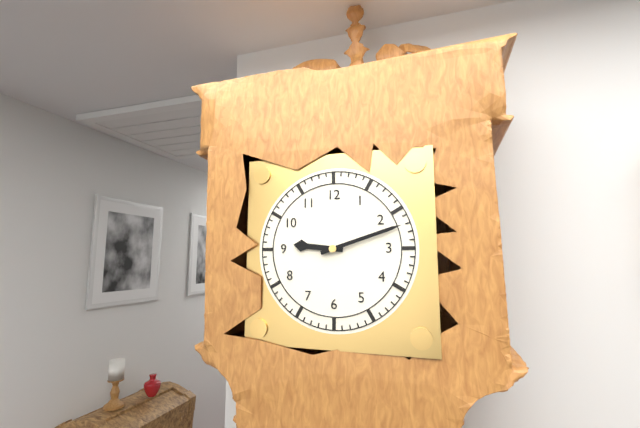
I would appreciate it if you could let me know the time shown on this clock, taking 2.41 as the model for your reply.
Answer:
9.12
